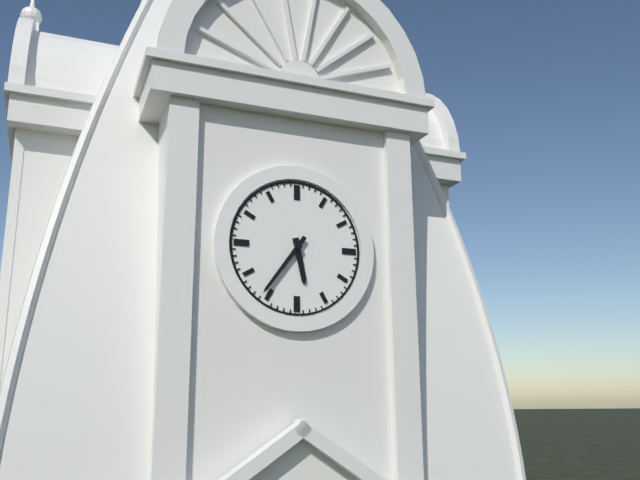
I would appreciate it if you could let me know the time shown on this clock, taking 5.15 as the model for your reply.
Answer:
5.36
